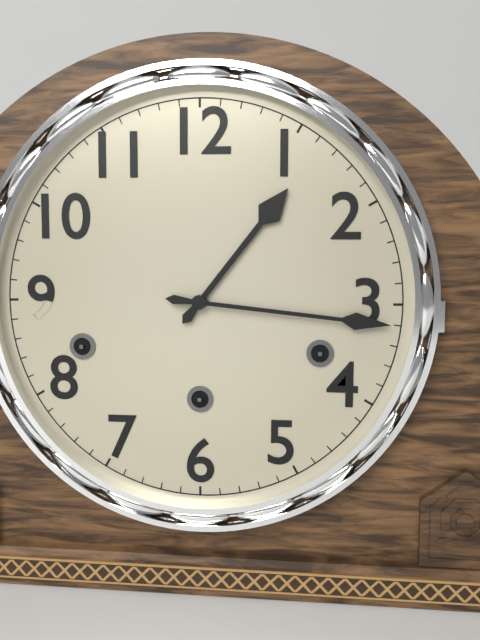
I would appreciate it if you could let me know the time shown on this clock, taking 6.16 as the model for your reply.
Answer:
1.16
